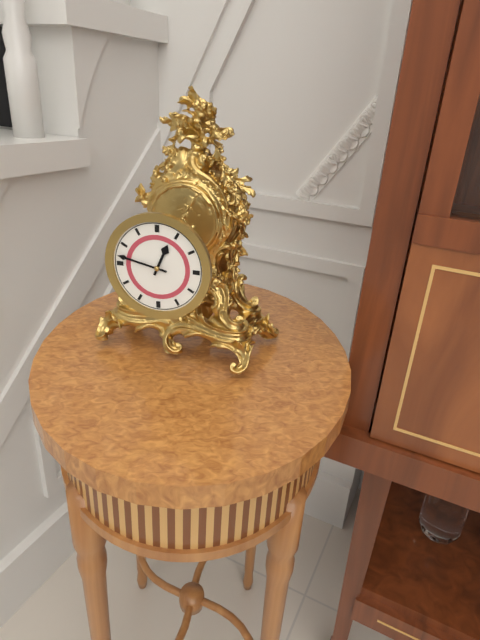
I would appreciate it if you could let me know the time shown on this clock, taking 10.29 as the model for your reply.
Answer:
12.47
